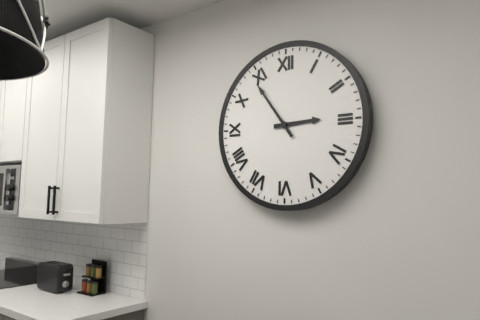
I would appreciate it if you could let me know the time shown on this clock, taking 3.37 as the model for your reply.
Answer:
2.54
